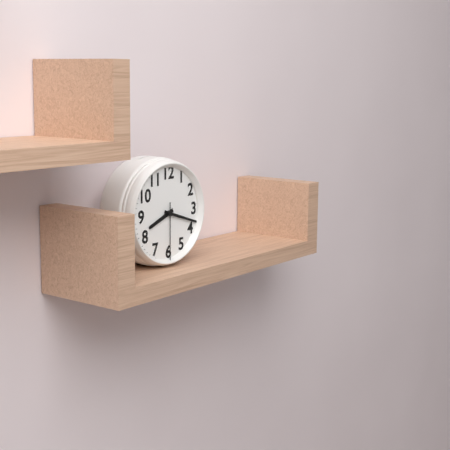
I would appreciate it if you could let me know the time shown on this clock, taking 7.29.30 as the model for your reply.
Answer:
8.18.30
